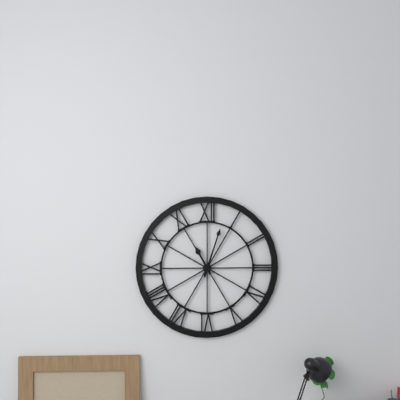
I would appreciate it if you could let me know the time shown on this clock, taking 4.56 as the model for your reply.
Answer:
11.03
